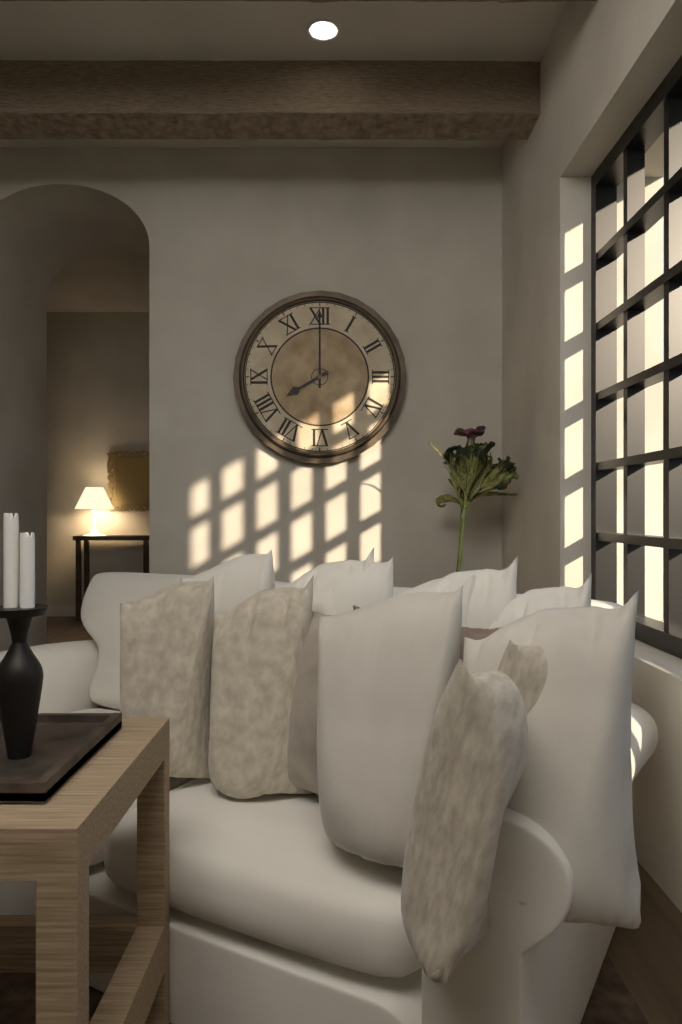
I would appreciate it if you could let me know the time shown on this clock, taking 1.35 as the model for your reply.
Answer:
8.00
